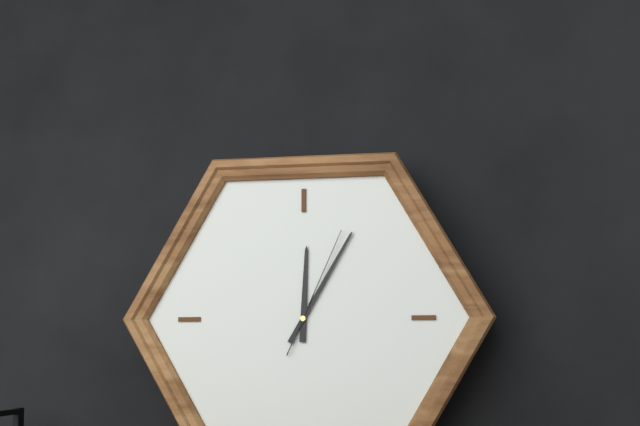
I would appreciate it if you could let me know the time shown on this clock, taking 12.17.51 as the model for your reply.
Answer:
12.05.04
